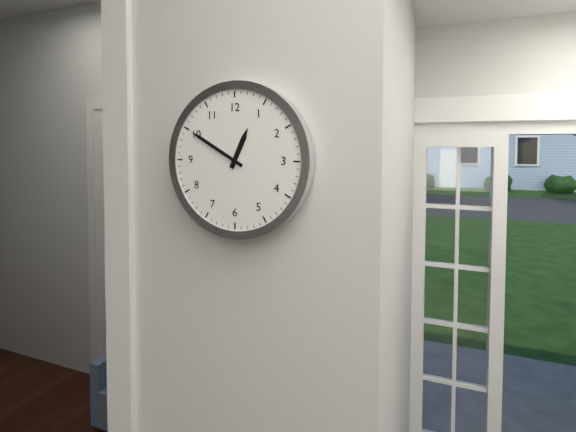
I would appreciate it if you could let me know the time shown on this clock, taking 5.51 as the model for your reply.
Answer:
12.50
